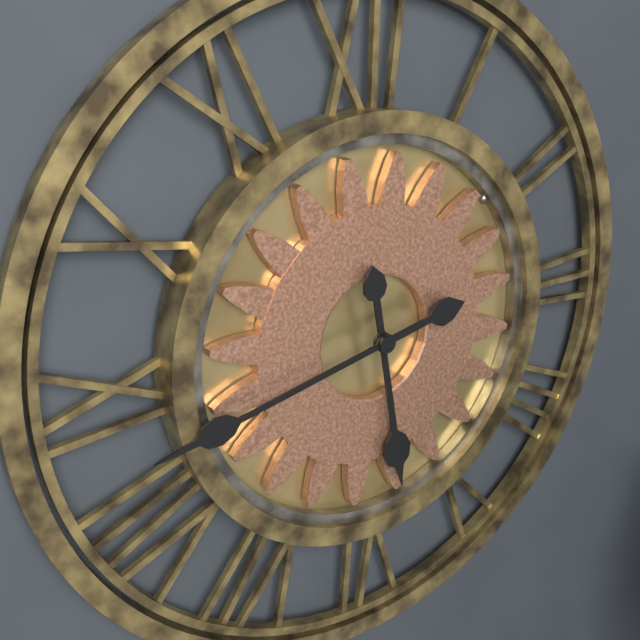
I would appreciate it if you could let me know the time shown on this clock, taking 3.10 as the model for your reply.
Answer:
5.43
